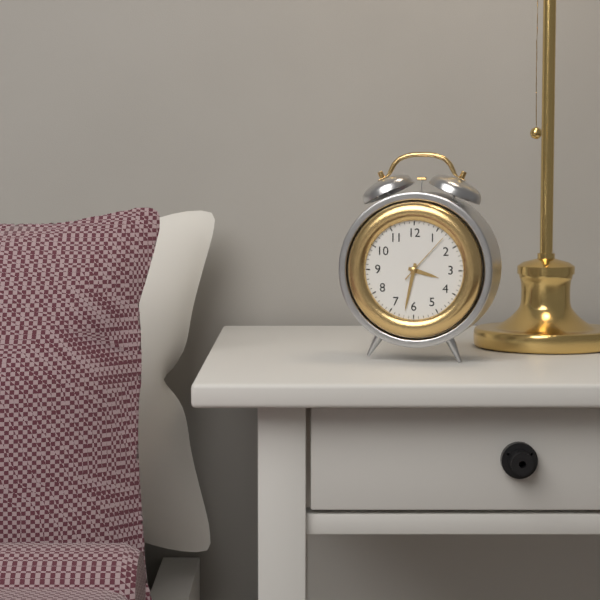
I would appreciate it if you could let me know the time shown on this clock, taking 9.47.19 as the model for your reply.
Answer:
3.32.07
